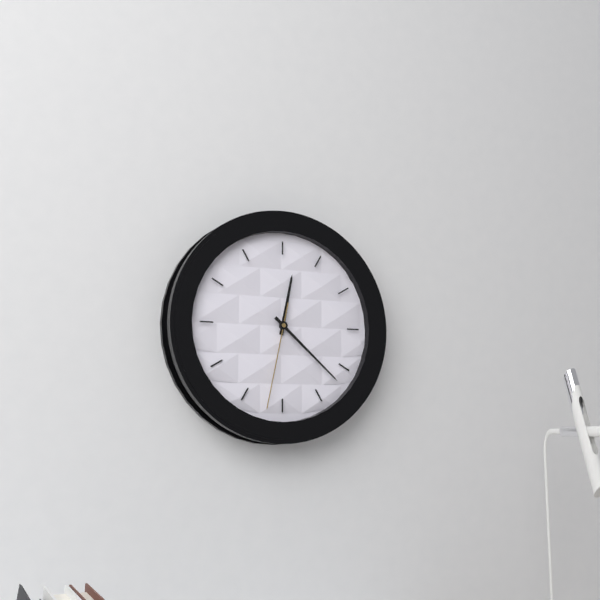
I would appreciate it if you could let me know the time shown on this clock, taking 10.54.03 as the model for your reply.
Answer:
12.22.32
